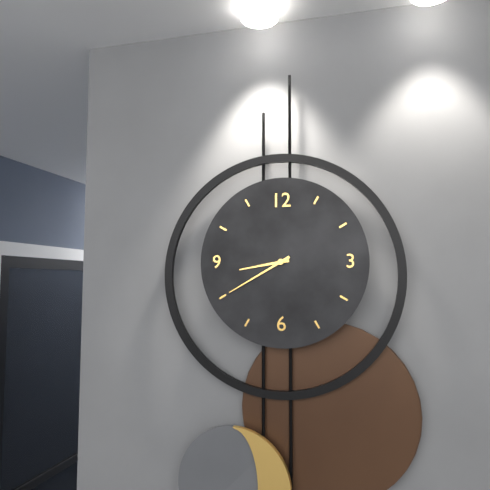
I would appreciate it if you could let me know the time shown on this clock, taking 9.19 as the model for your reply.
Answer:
8.40
